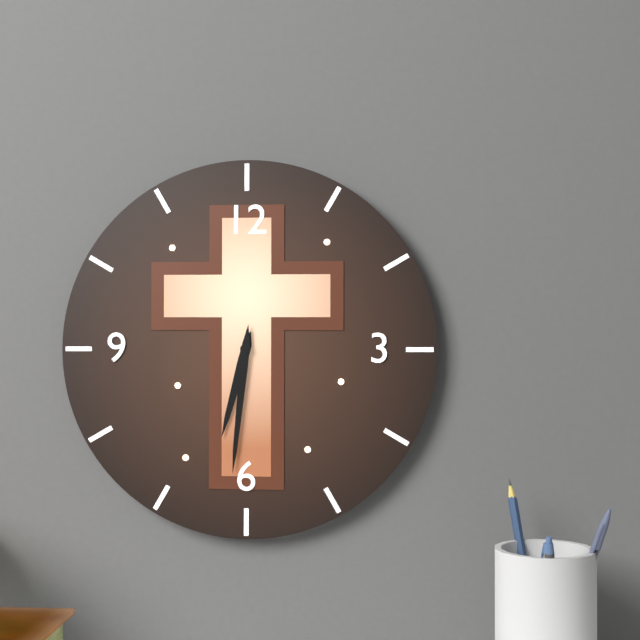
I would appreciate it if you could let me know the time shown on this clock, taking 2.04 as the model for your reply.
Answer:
6.31
